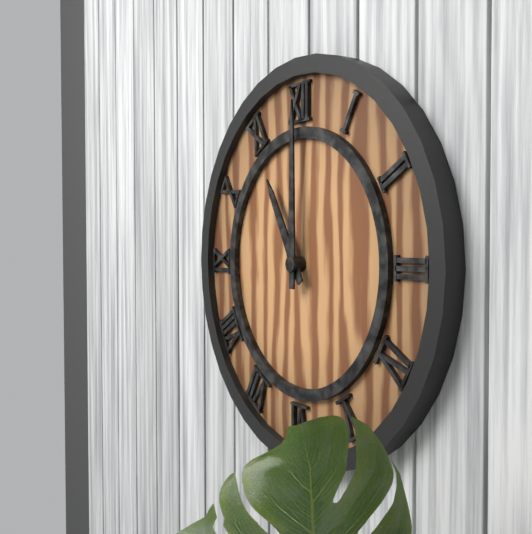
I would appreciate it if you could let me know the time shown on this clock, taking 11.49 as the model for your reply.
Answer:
11.00
